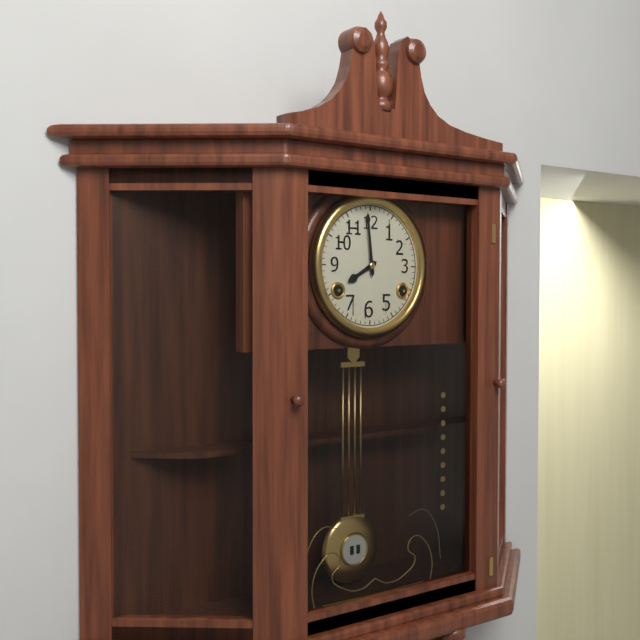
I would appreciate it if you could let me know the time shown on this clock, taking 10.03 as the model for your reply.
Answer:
7.59
